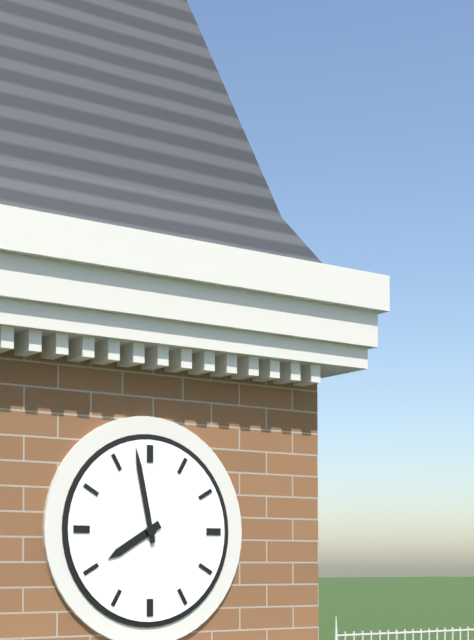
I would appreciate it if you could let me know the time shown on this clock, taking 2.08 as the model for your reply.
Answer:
7.58
